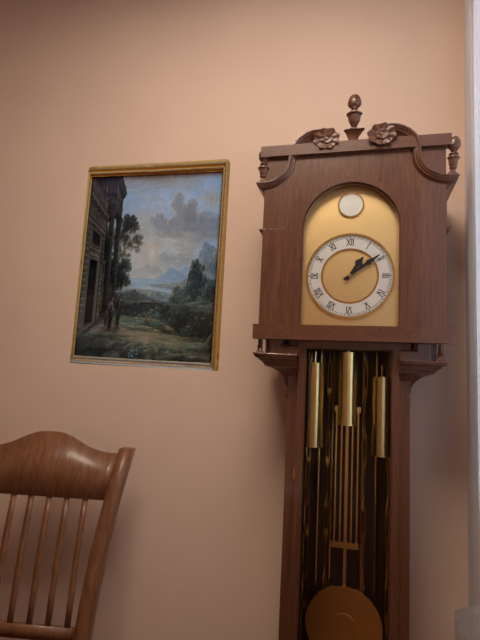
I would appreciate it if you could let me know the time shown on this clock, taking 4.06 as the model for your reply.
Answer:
1.09
